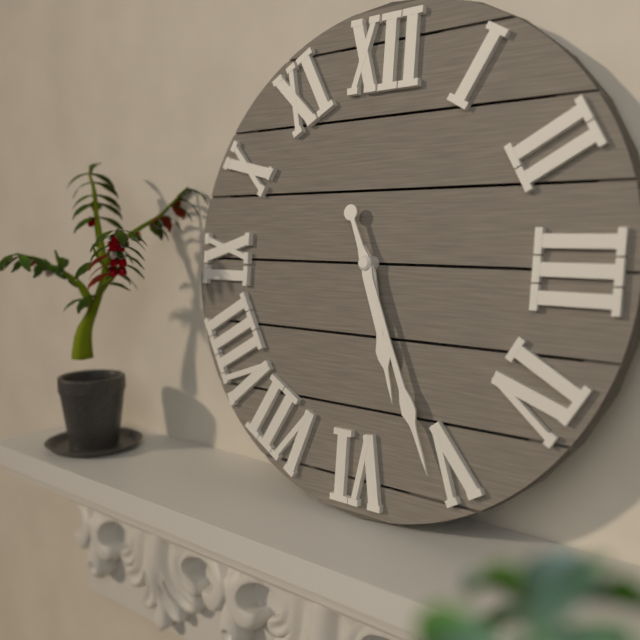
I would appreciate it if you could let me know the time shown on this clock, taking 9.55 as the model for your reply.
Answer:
5.26
